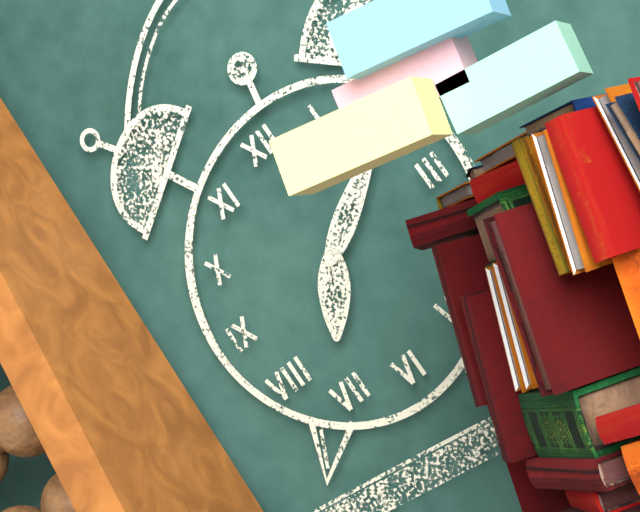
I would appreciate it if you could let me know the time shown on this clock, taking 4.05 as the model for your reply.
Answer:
7.10
